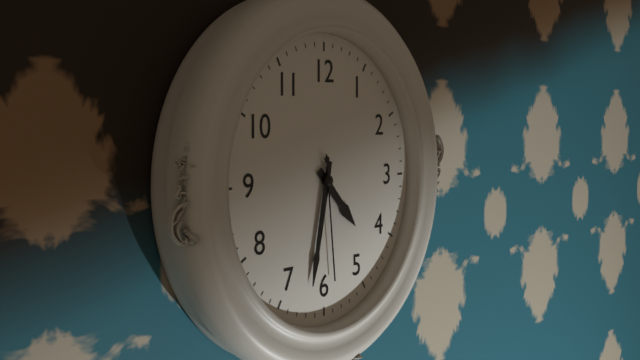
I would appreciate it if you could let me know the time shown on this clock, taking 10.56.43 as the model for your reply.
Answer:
4.32.29
